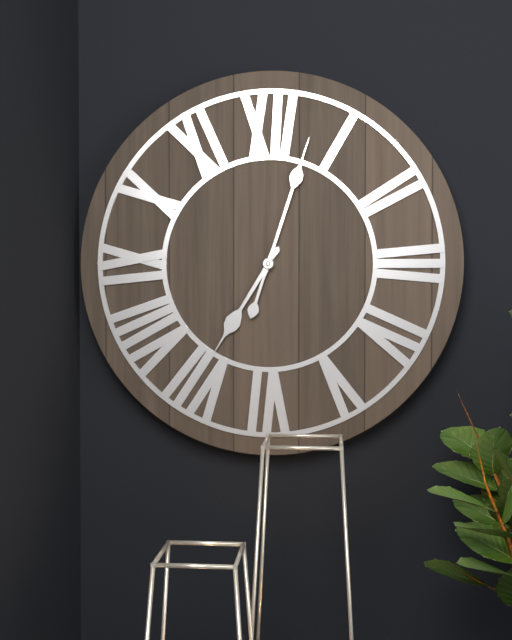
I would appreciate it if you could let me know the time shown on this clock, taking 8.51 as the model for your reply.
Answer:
7.03
